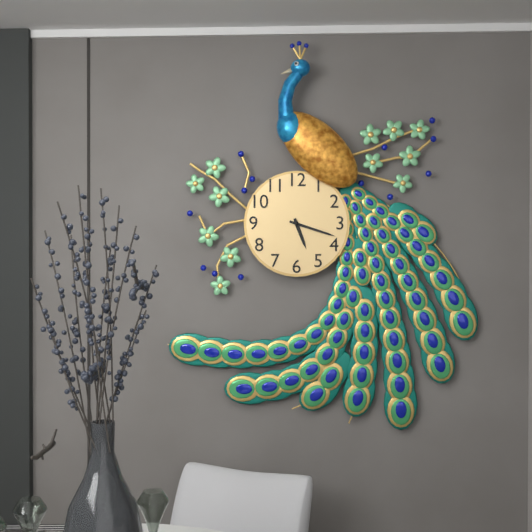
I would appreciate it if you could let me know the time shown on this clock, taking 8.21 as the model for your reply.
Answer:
5.18
